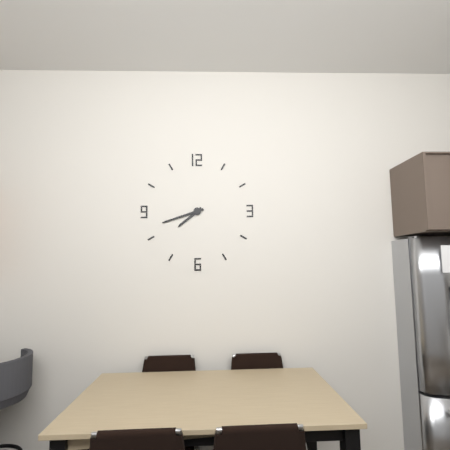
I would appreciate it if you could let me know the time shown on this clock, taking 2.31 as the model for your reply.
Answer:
7.42
